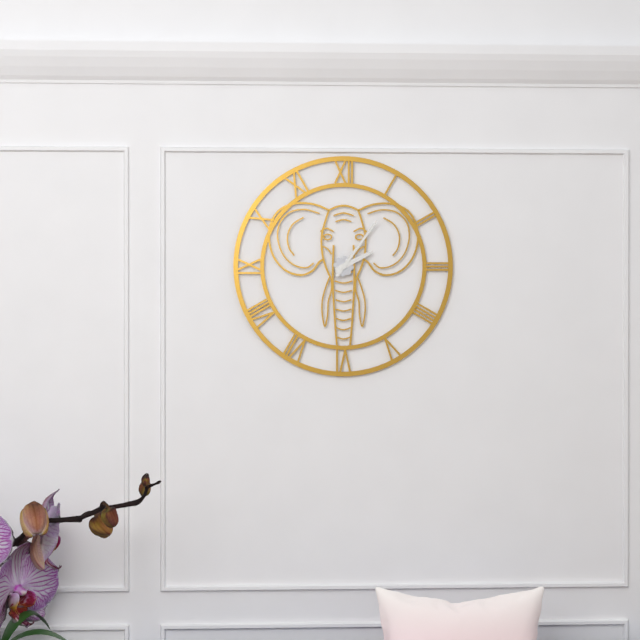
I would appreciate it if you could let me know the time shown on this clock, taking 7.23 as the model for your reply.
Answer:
2.06
